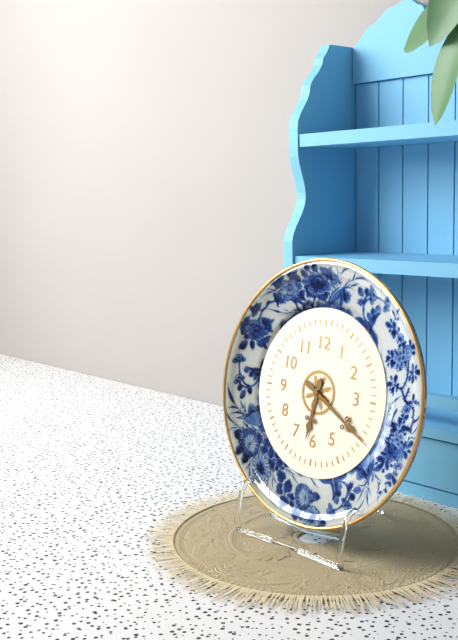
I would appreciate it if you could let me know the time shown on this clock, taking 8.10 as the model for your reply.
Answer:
6.20
